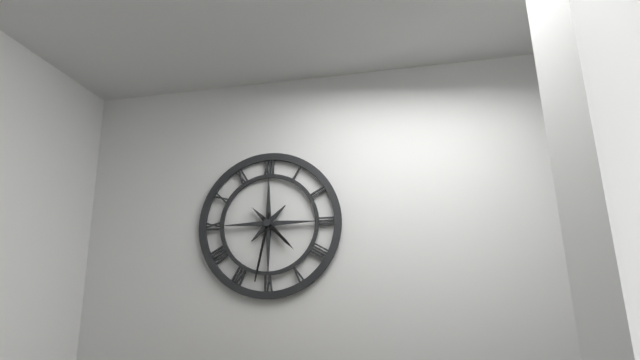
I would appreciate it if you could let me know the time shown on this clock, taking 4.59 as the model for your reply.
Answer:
4.32
